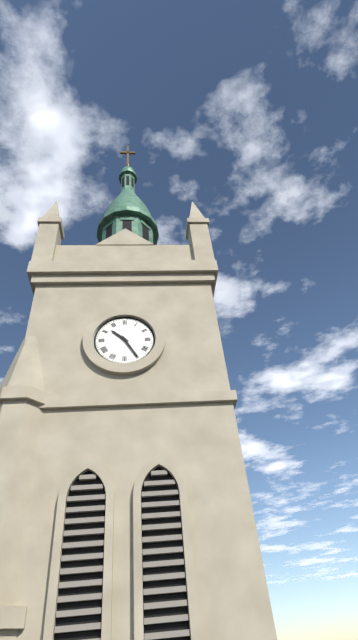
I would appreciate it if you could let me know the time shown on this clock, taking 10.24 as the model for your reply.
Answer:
10.25
